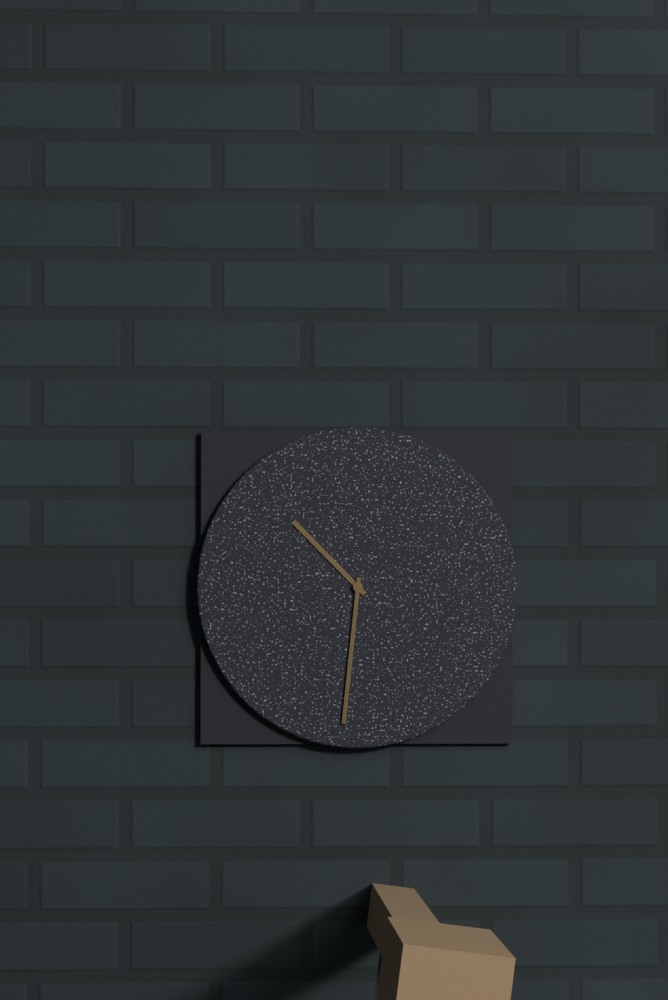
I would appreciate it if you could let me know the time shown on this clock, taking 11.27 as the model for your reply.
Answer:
10.31
